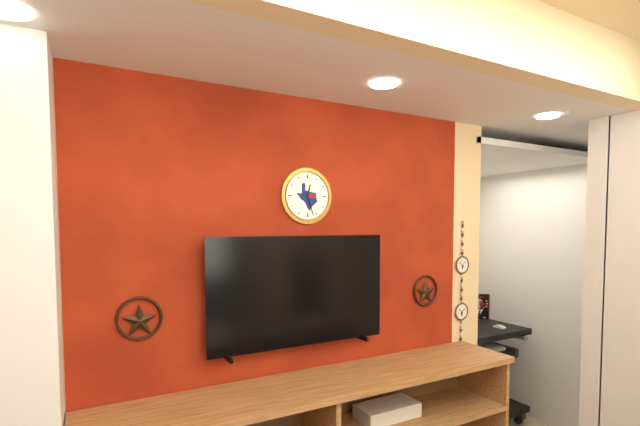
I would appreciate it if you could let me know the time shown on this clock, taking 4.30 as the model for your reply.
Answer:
12.27
